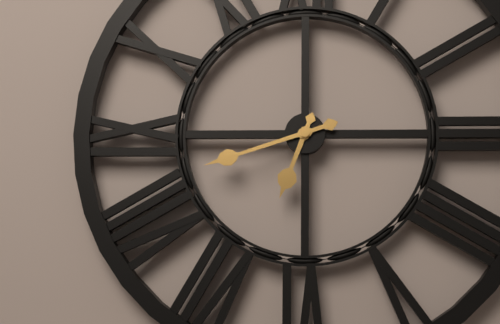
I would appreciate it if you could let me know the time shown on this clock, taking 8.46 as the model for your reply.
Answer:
6.42
